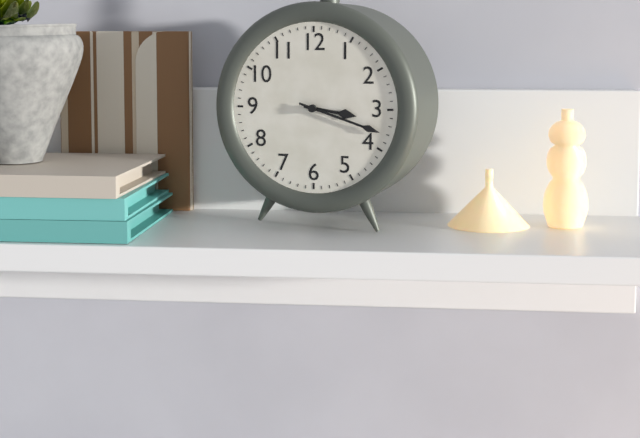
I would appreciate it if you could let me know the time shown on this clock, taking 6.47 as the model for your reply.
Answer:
3.18
